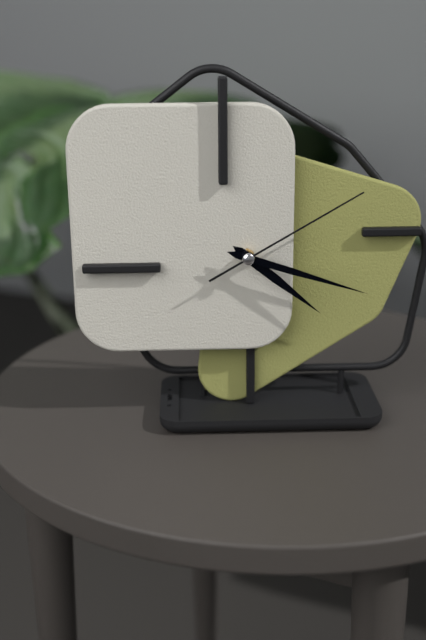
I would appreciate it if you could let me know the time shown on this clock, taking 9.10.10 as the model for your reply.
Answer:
4.18.10
